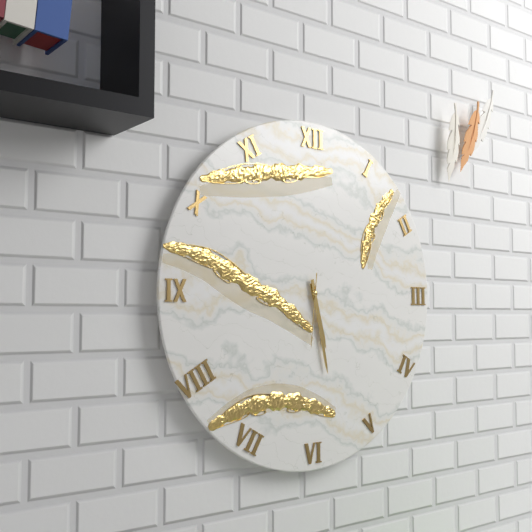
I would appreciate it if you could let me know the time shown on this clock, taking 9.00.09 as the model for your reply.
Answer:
5.28.31
